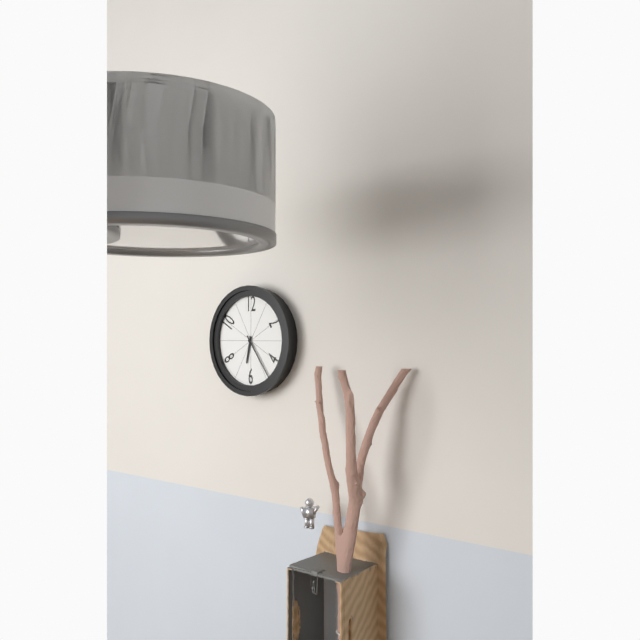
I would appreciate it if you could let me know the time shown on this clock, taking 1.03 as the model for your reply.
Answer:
6.24
